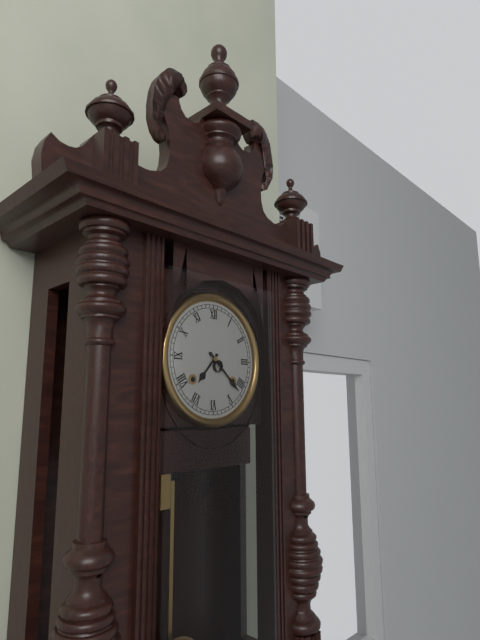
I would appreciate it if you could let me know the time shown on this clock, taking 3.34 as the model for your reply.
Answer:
7.22
